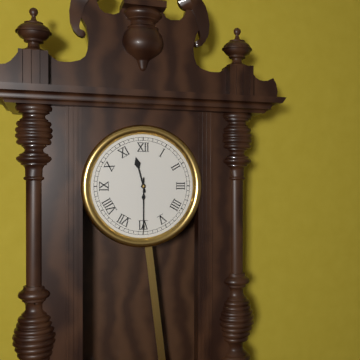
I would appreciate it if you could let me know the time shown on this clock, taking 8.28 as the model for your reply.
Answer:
11.30
